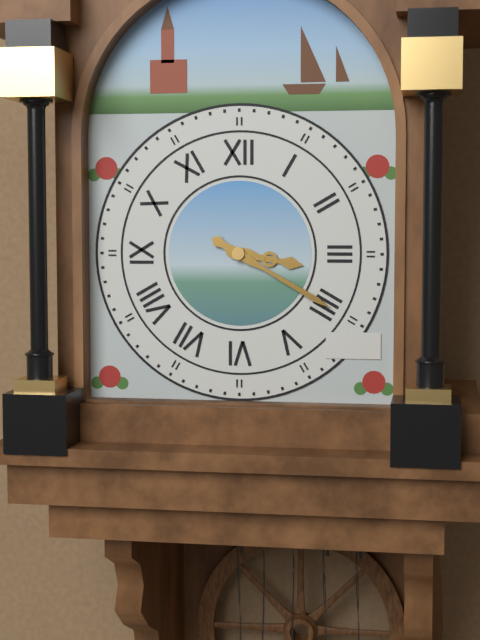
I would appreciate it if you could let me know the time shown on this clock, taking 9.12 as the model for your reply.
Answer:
3.20
